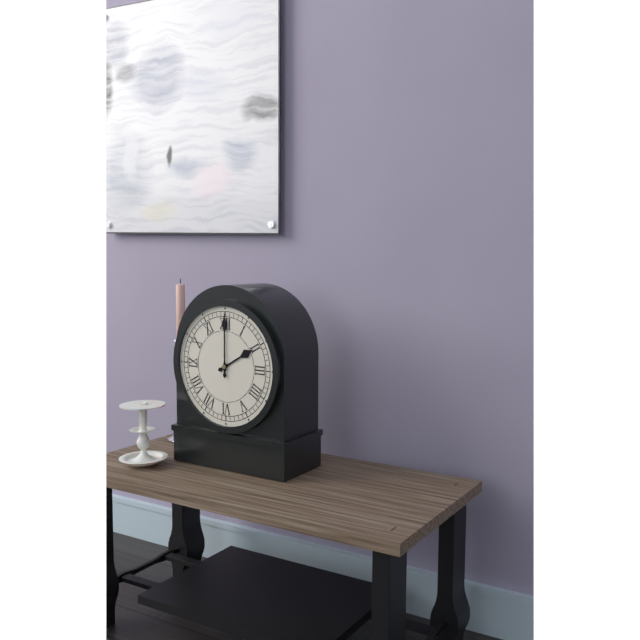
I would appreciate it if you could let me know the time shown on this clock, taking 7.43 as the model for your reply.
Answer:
2.00
